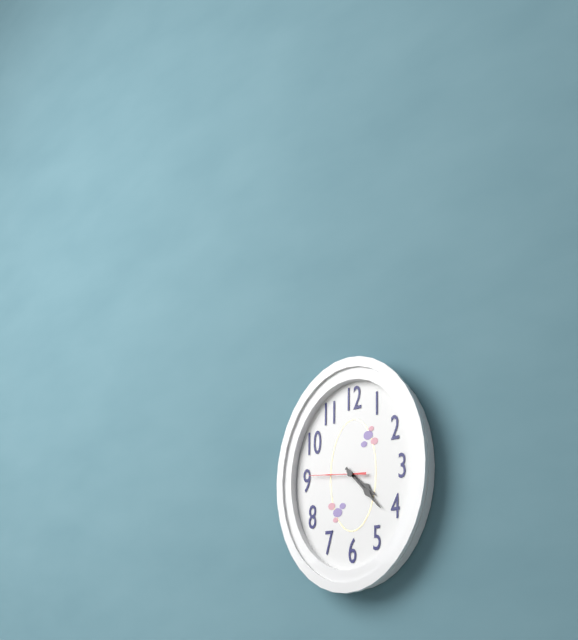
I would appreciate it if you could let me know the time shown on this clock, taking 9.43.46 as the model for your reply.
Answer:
4.23.46
